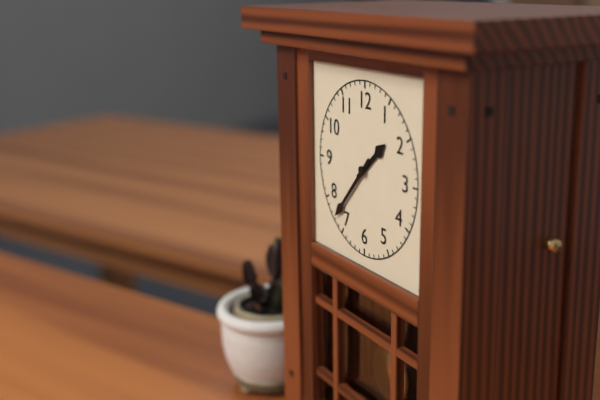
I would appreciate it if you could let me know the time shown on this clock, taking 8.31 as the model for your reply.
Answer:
1.37
